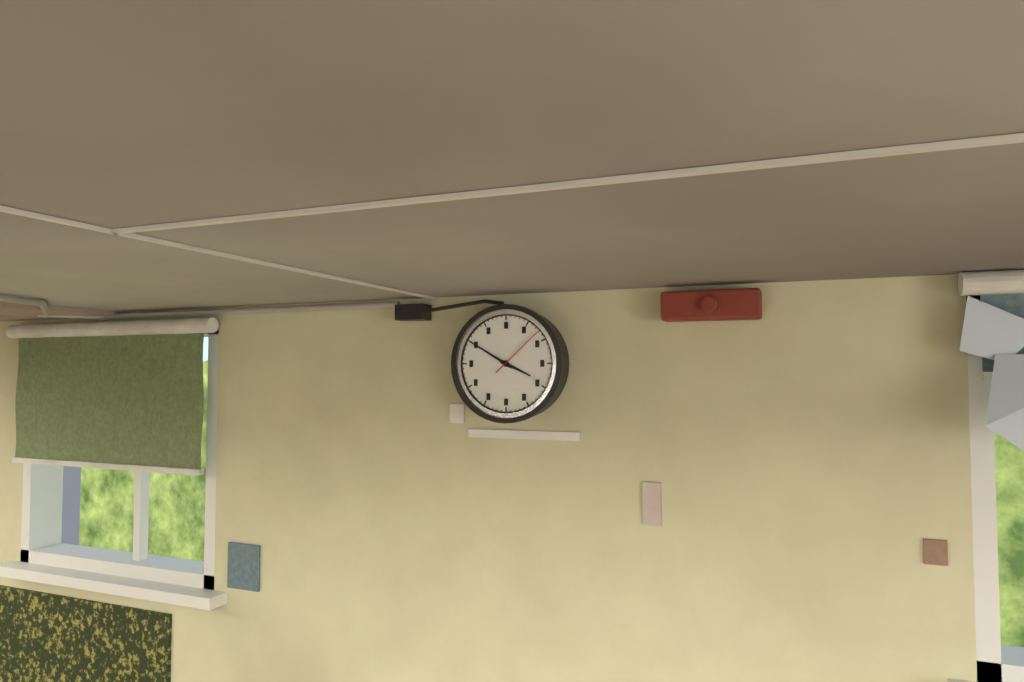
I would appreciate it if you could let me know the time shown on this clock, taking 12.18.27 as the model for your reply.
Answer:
3.50.08
